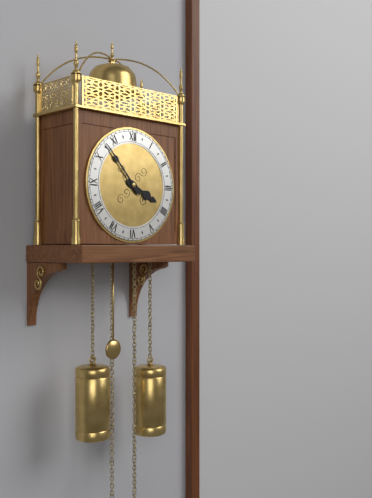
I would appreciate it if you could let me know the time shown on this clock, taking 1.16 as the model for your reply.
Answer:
3.53
